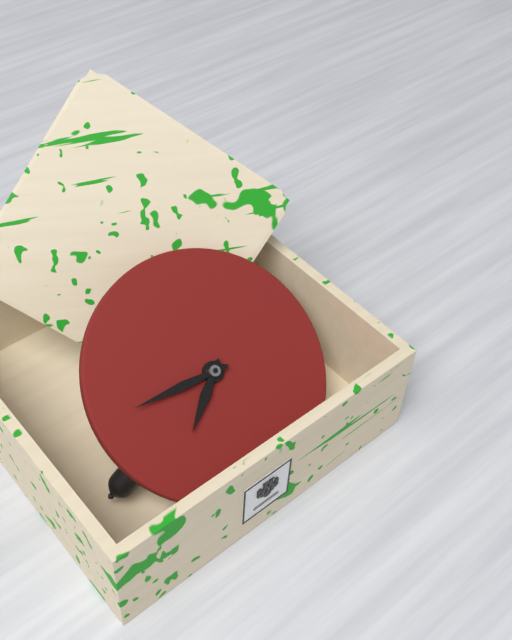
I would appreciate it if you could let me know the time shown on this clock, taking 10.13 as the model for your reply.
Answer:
7.46
